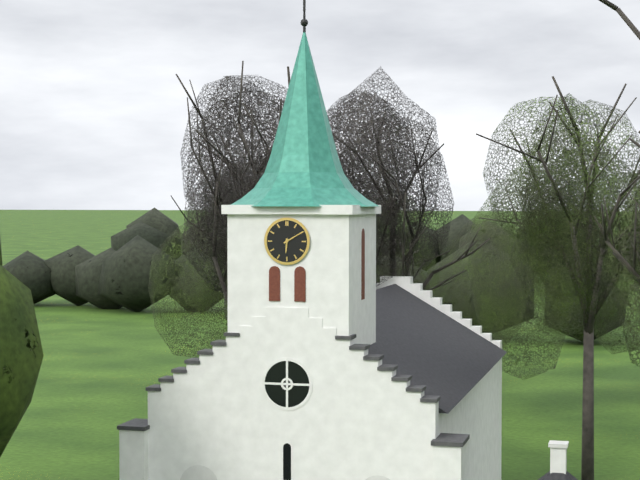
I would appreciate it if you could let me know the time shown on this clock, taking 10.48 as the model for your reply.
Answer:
6.10
